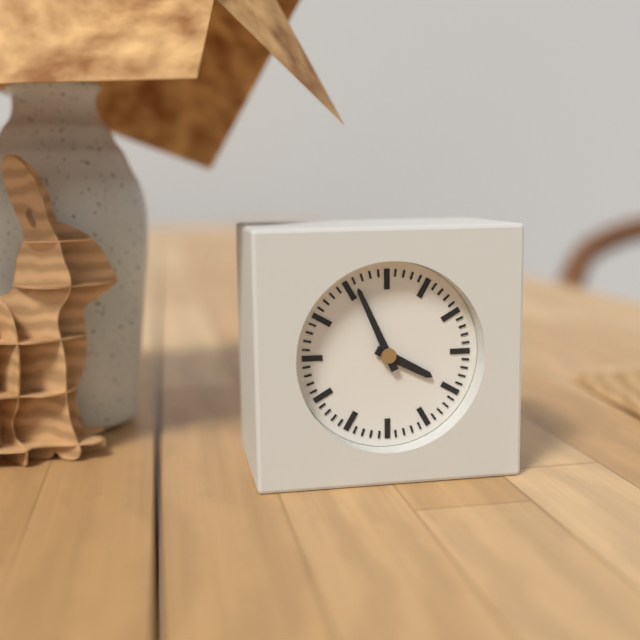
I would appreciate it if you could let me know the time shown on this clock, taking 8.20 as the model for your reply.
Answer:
3.56
